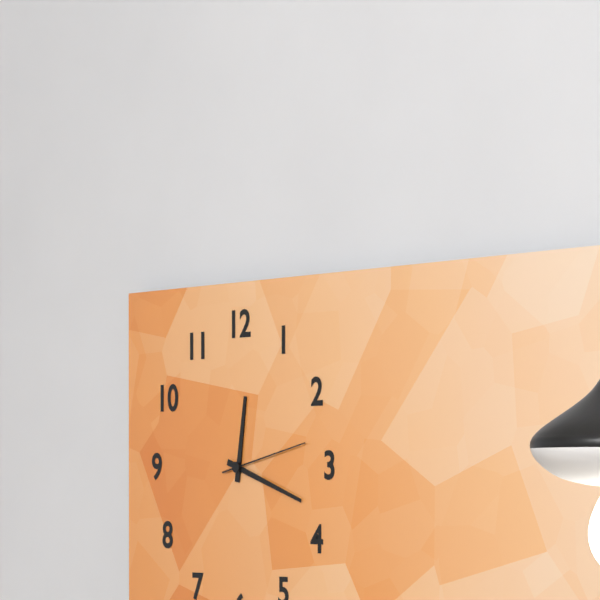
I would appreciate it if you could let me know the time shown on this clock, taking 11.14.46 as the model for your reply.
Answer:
12.18.13
